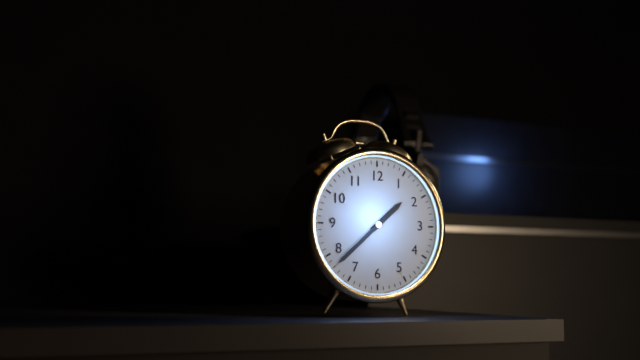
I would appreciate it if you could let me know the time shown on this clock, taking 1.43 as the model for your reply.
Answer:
1.38
